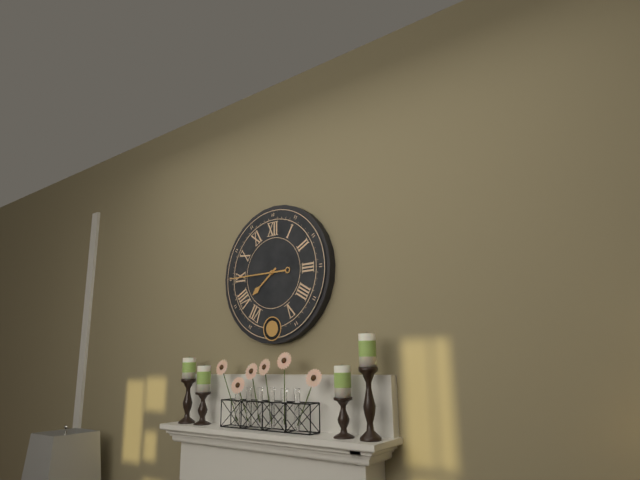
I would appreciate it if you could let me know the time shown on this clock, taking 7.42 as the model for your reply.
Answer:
7.45
